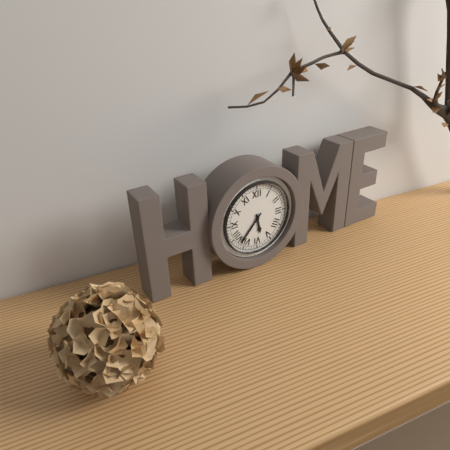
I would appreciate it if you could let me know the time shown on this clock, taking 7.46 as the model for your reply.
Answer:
5.37
